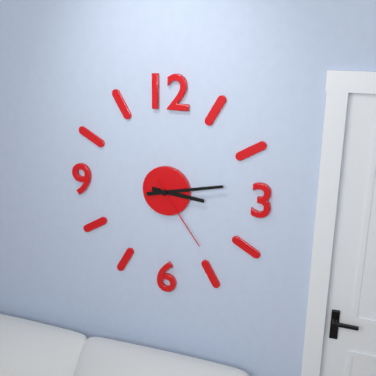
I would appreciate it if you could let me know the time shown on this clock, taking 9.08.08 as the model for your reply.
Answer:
3.13.24
